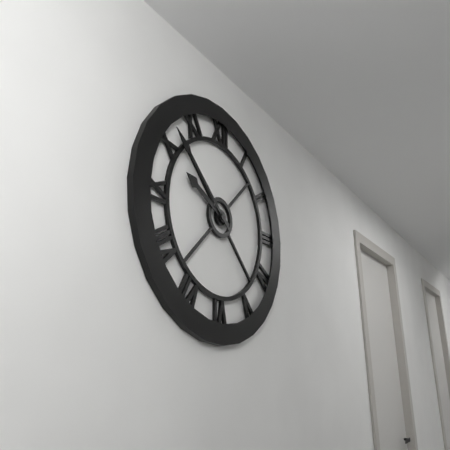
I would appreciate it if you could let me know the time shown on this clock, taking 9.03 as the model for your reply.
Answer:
9.52
